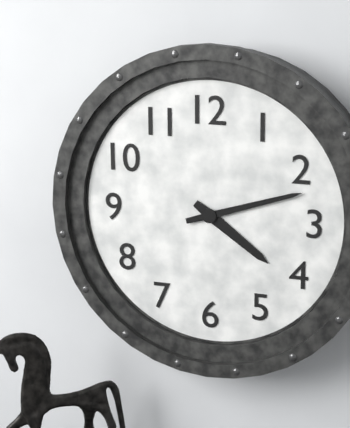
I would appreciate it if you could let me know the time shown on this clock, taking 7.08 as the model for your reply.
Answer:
4.12
